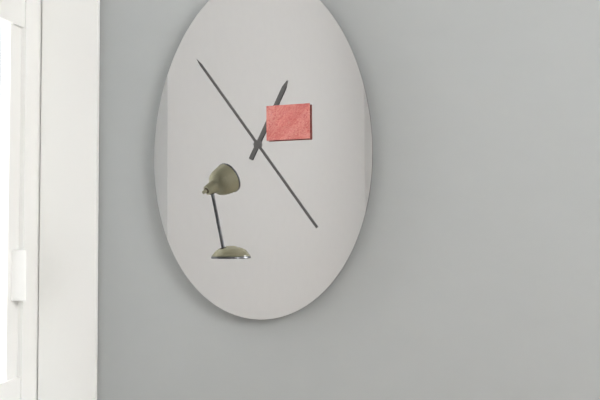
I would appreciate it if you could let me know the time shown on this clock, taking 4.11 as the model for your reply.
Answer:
12.54
